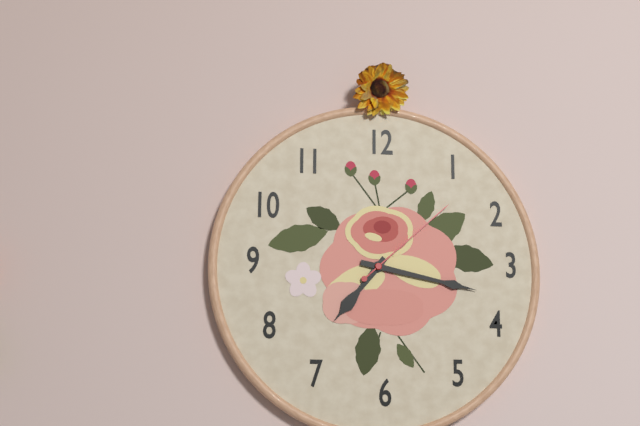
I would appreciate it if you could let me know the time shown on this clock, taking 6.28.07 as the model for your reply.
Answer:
7.17.08
